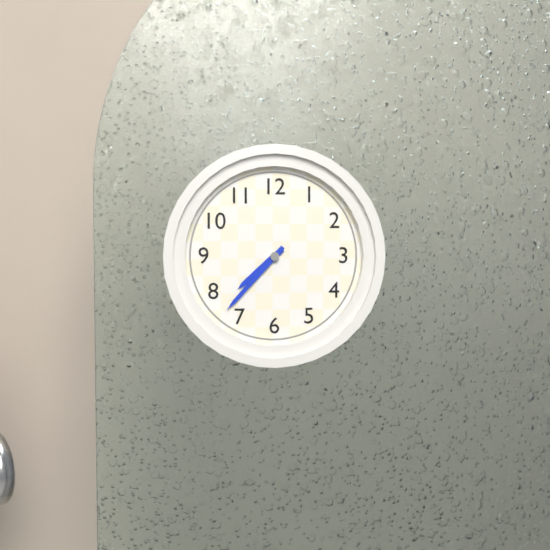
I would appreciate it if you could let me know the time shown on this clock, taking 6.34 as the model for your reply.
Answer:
7.37
